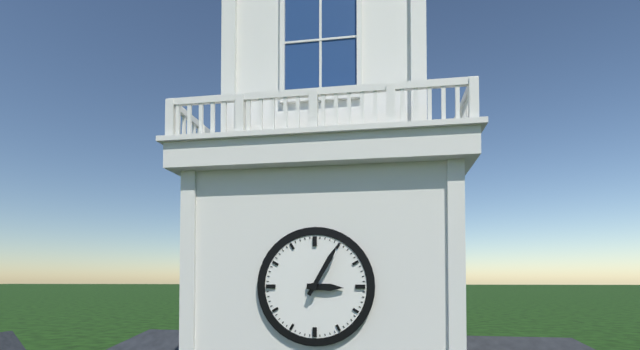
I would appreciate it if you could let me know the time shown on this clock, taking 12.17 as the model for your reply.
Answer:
3.05
